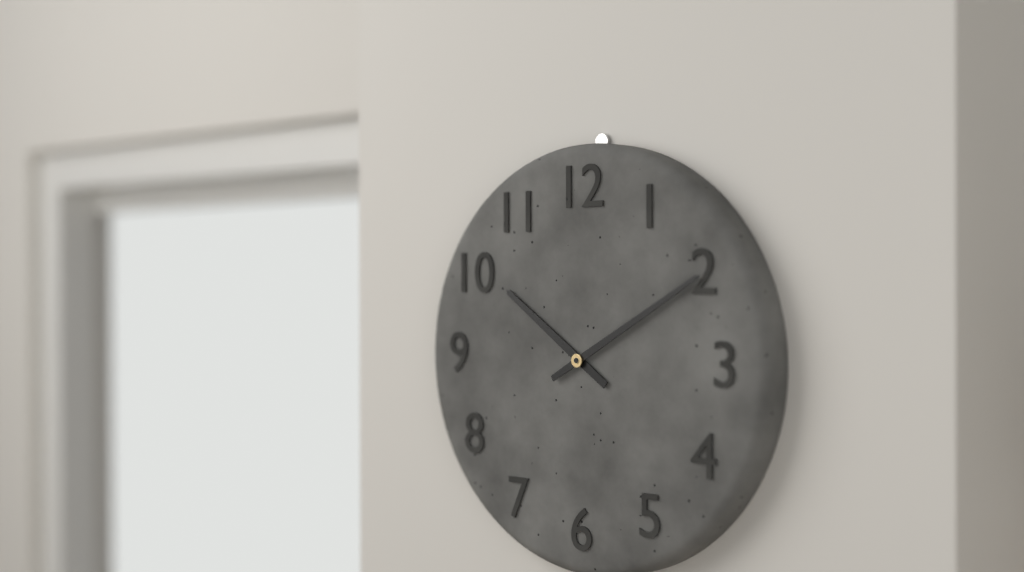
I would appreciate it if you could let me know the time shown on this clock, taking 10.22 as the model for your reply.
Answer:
10.10
